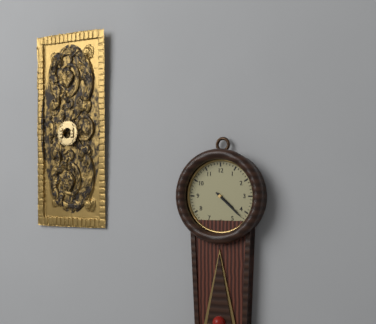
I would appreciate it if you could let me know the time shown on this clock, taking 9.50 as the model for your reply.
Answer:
4.22
